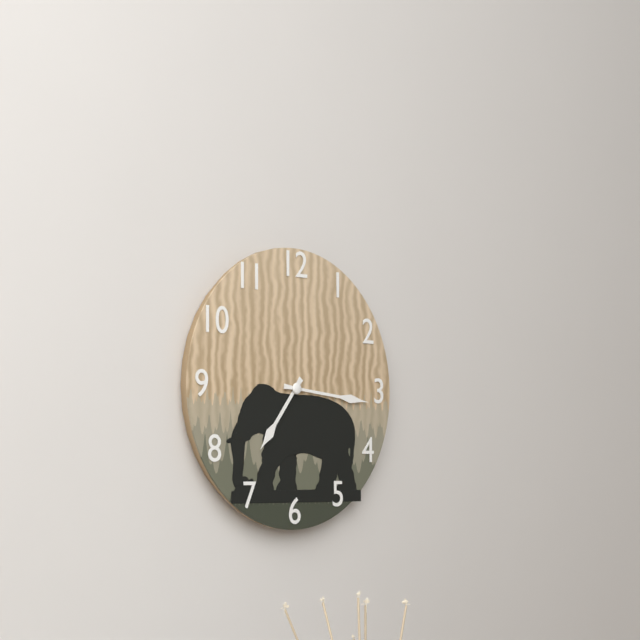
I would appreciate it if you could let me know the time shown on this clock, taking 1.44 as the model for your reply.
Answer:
7.16
